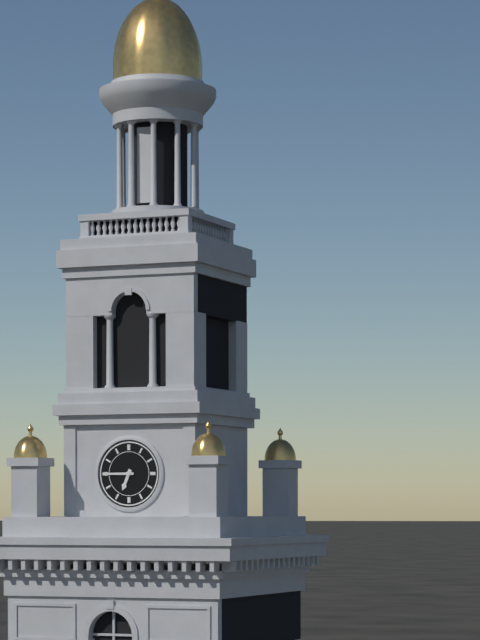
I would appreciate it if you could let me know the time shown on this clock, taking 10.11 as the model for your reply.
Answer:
6.45
